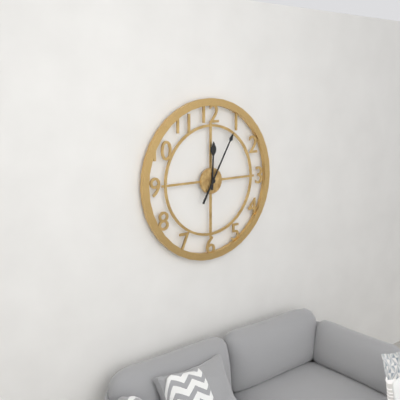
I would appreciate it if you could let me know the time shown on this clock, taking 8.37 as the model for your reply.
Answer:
12.05
